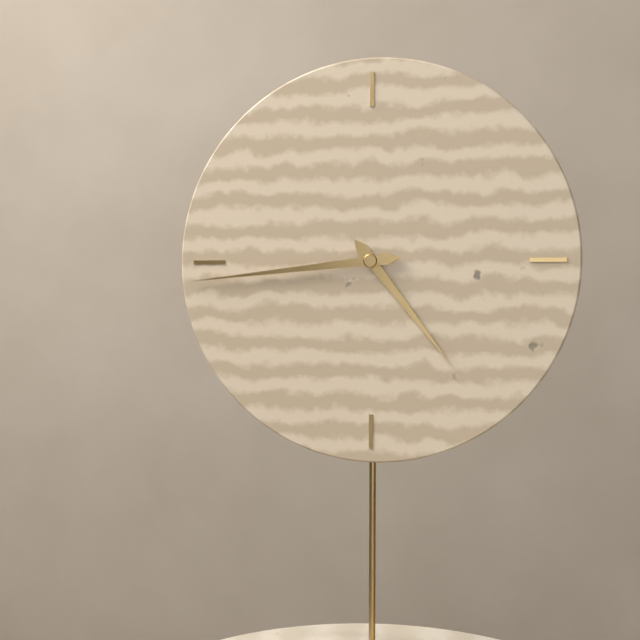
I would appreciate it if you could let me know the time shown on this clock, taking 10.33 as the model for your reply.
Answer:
4.44
